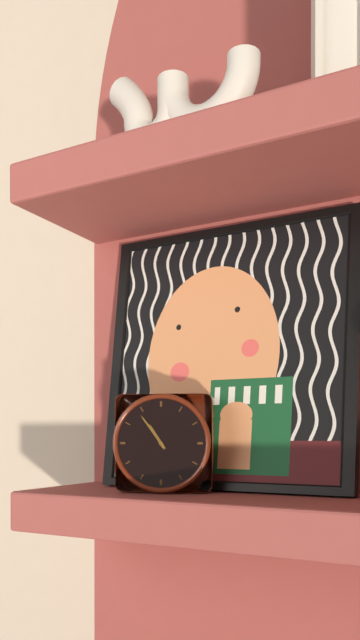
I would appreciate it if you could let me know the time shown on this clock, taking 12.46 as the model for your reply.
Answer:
10.54
